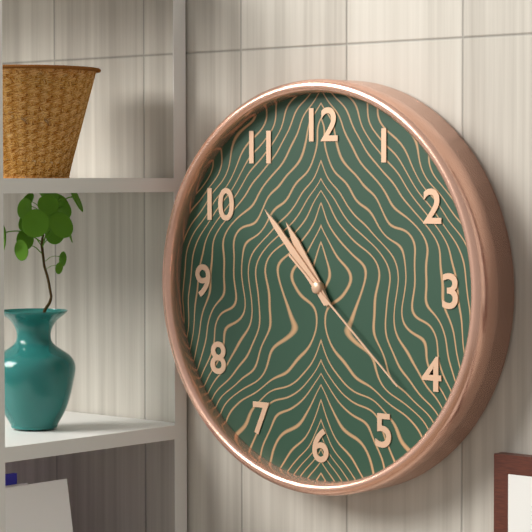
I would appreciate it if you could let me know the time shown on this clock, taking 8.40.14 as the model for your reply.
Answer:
10.53.22
